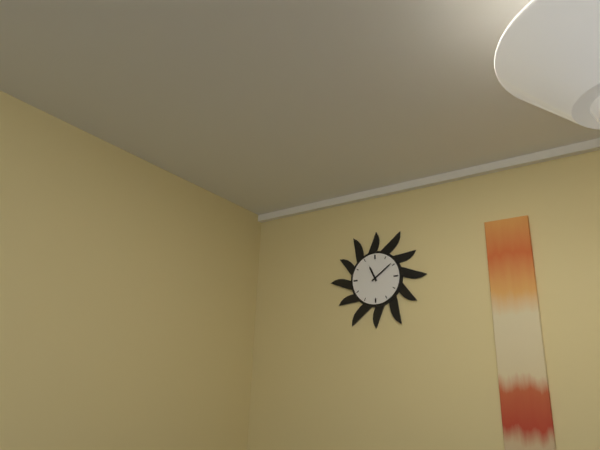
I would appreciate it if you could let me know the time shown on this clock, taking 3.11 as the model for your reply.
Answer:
11.09
